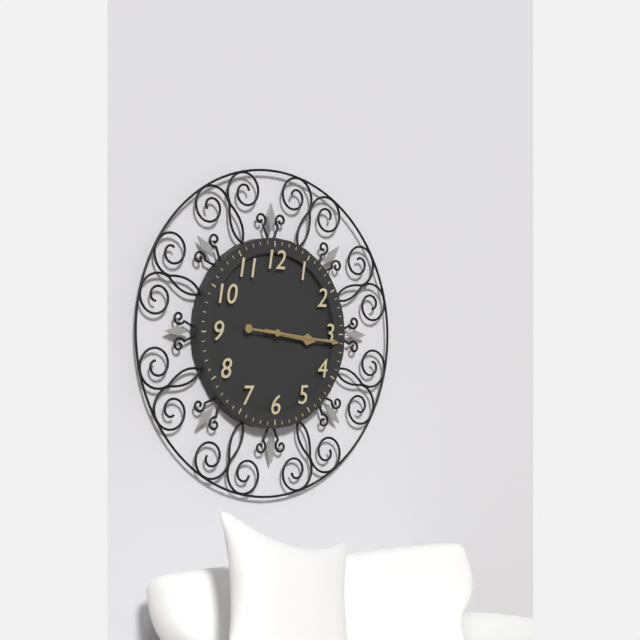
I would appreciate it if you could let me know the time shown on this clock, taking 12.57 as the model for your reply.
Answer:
3.16
